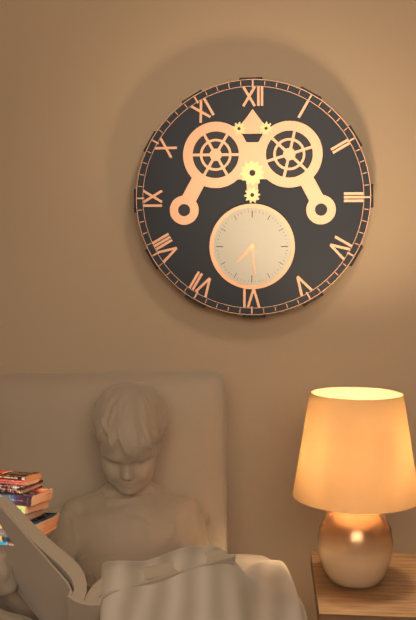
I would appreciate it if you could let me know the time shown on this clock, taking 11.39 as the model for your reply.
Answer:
7.29
